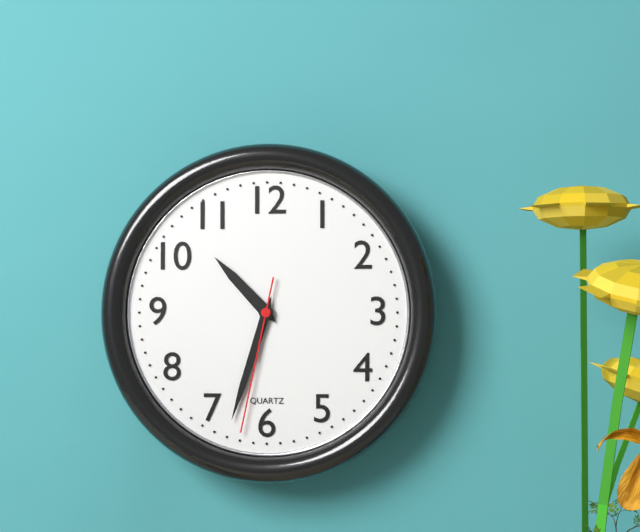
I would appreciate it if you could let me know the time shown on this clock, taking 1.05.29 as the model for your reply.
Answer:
10.33.32
